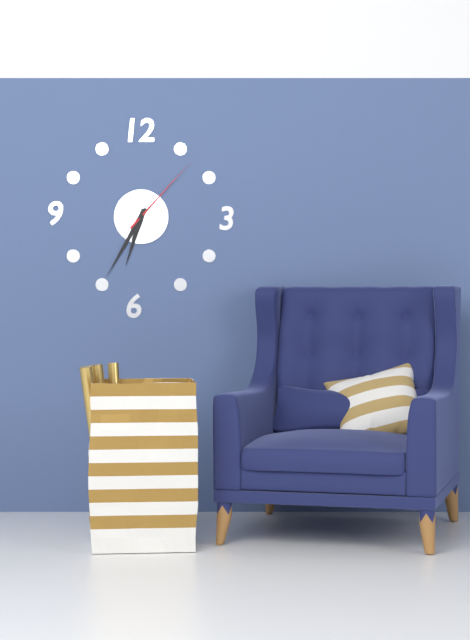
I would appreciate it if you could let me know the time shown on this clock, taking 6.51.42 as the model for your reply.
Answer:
6.35.07
